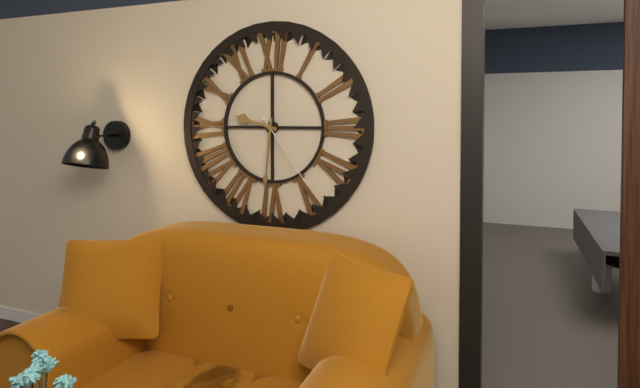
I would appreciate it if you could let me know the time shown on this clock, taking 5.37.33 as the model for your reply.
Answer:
9.31.24
